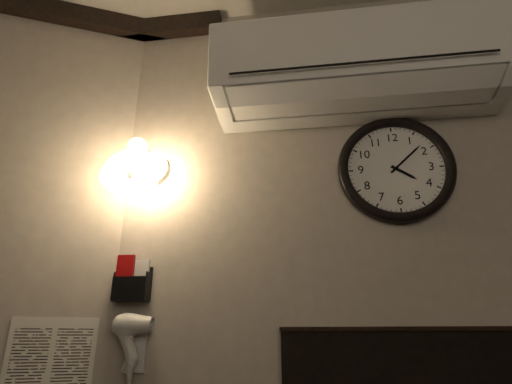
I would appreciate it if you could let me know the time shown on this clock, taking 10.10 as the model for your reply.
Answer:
4.08
